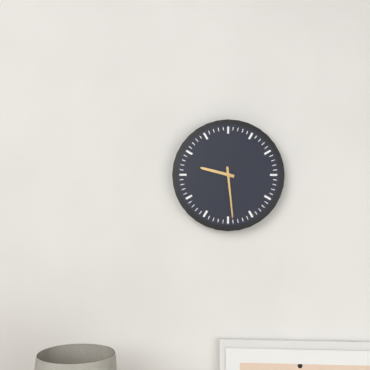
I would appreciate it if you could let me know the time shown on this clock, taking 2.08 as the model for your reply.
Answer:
9.29
